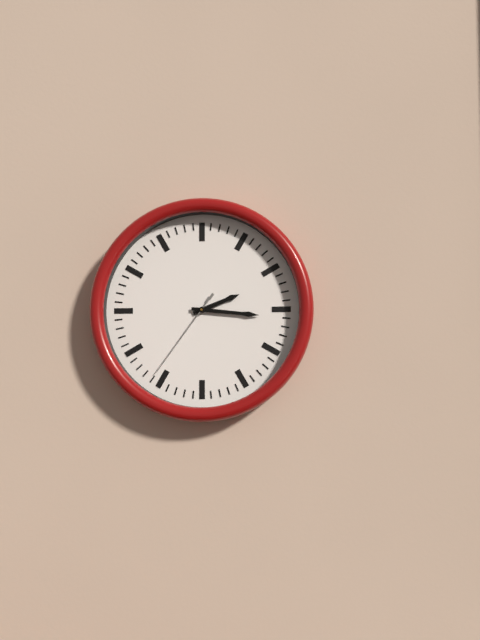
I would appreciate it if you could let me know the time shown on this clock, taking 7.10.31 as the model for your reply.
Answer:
2.16.36
